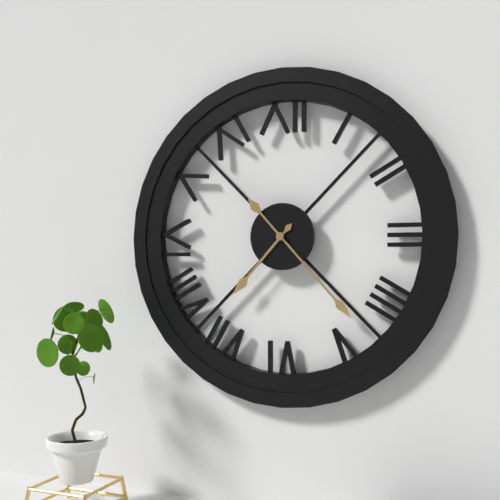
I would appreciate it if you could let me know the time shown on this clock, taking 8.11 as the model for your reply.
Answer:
7.23
